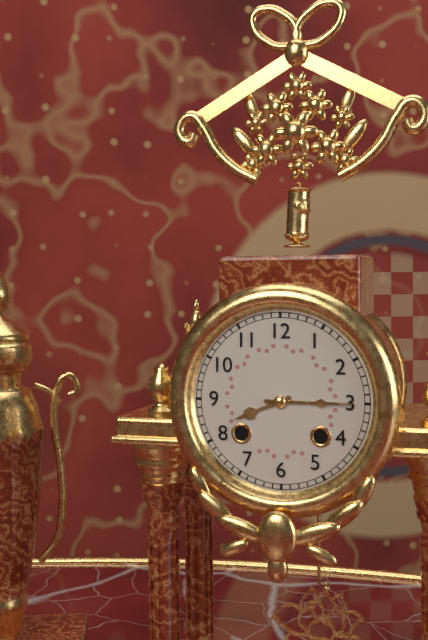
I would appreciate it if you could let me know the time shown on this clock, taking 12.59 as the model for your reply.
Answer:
8.15
